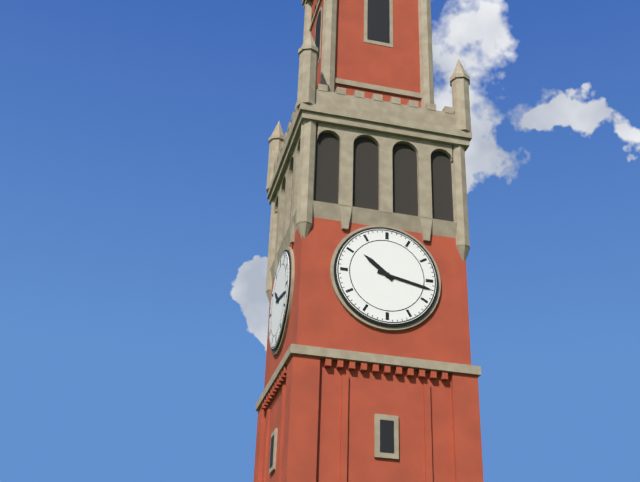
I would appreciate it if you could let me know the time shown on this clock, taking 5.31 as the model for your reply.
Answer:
10.17
